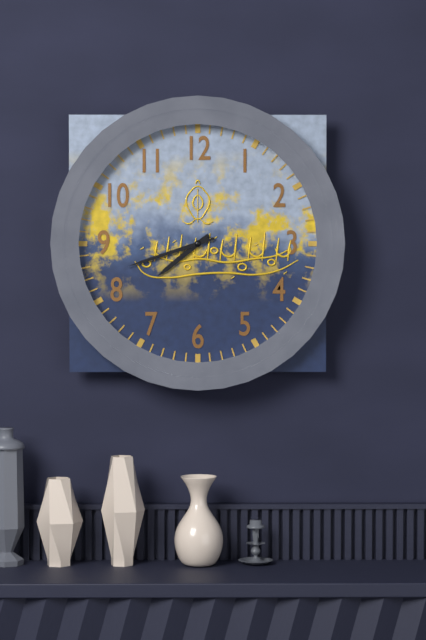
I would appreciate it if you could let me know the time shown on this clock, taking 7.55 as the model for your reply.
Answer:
7.42
